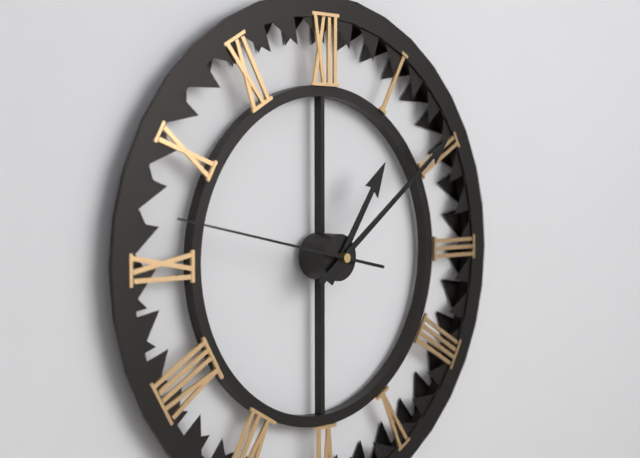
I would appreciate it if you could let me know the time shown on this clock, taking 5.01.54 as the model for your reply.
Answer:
1.09.47
